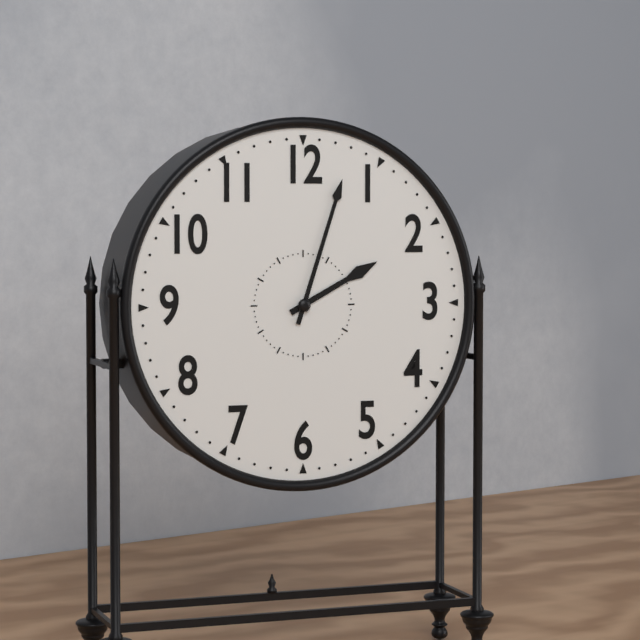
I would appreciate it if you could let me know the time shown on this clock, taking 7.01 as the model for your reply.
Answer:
2.03
